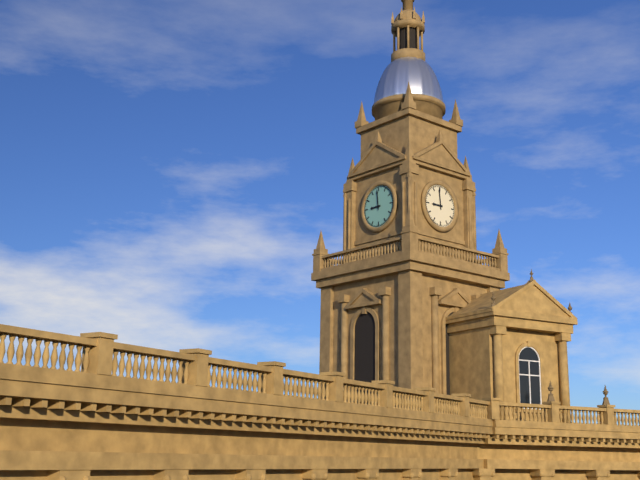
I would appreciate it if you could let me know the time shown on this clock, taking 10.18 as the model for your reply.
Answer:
8.59
